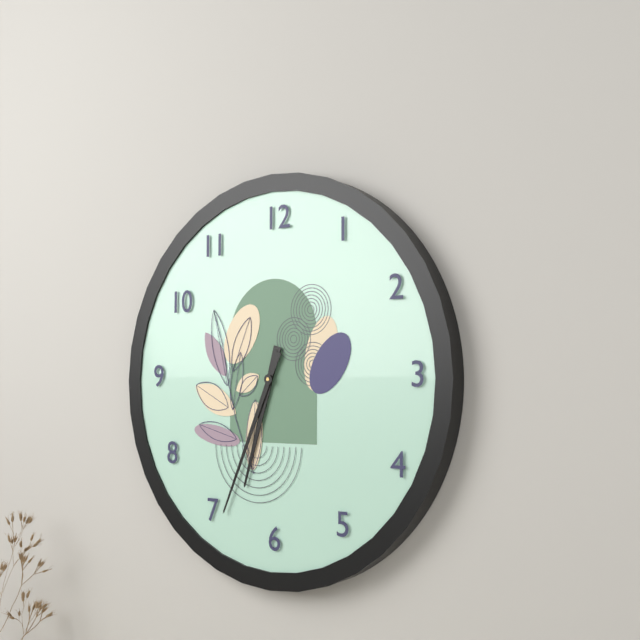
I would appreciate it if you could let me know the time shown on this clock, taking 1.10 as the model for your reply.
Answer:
6.34
